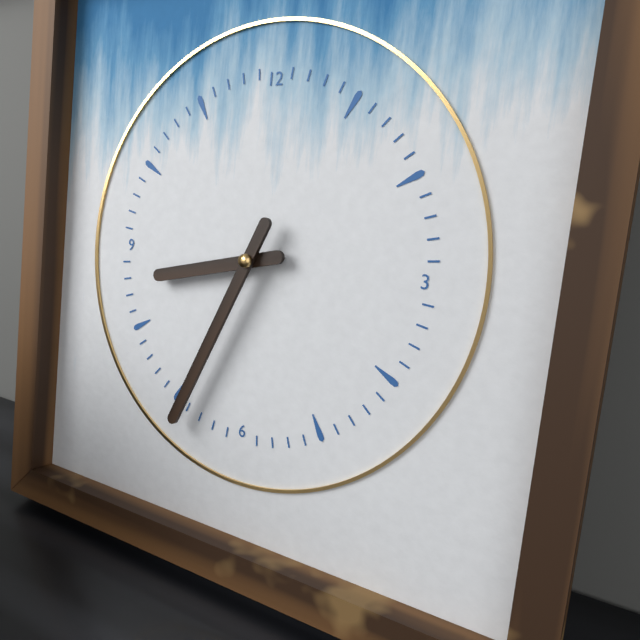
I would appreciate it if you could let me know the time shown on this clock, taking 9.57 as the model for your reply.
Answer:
8.34
